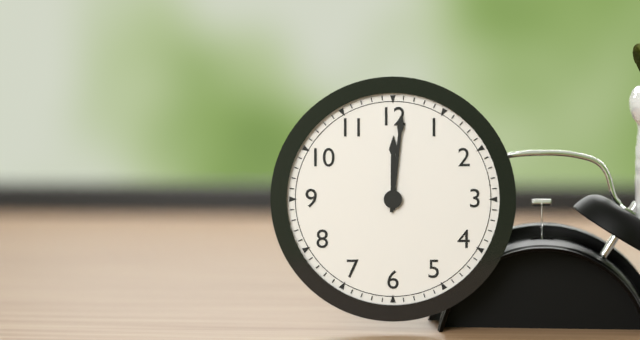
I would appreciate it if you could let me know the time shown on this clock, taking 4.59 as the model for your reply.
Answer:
12.01
